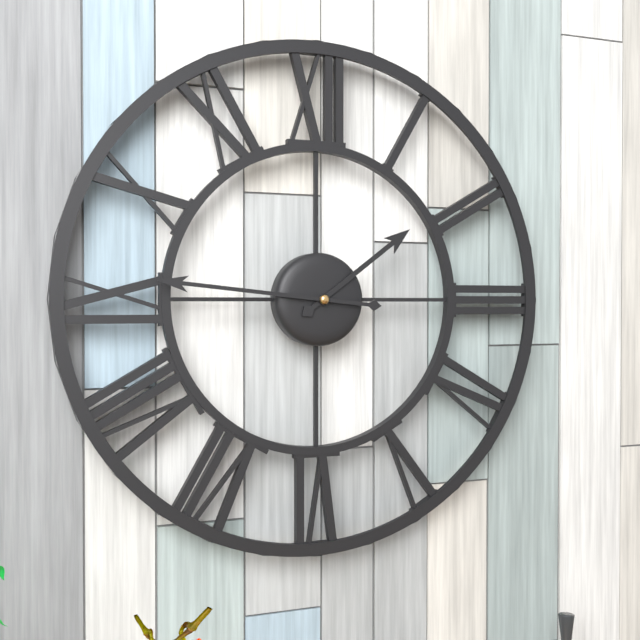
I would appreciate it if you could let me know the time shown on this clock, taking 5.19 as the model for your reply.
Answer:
1.46
